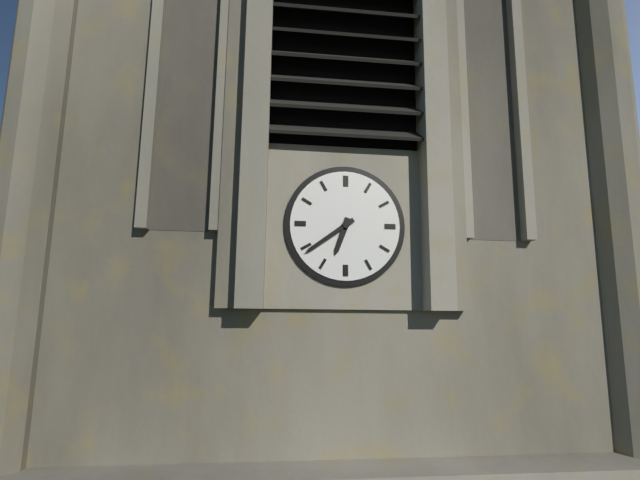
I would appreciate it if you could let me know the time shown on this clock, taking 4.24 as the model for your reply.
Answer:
6.39
